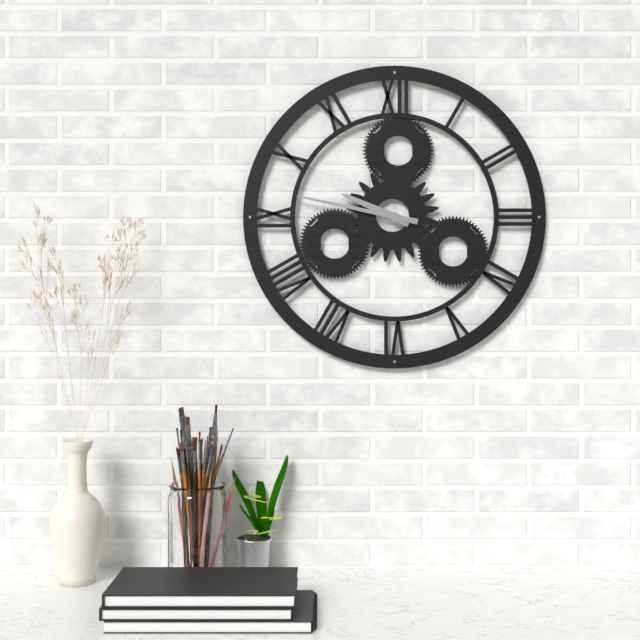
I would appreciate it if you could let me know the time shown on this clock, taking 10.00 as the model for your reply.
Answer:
9.47
